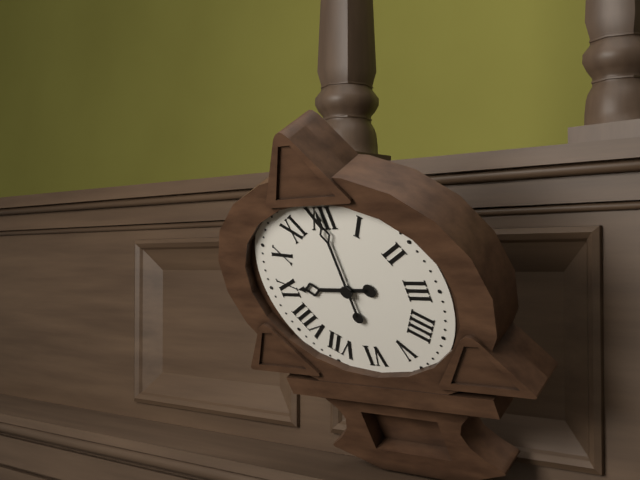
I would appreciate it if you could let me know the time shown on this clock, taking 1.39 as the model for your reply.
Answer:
9.00
